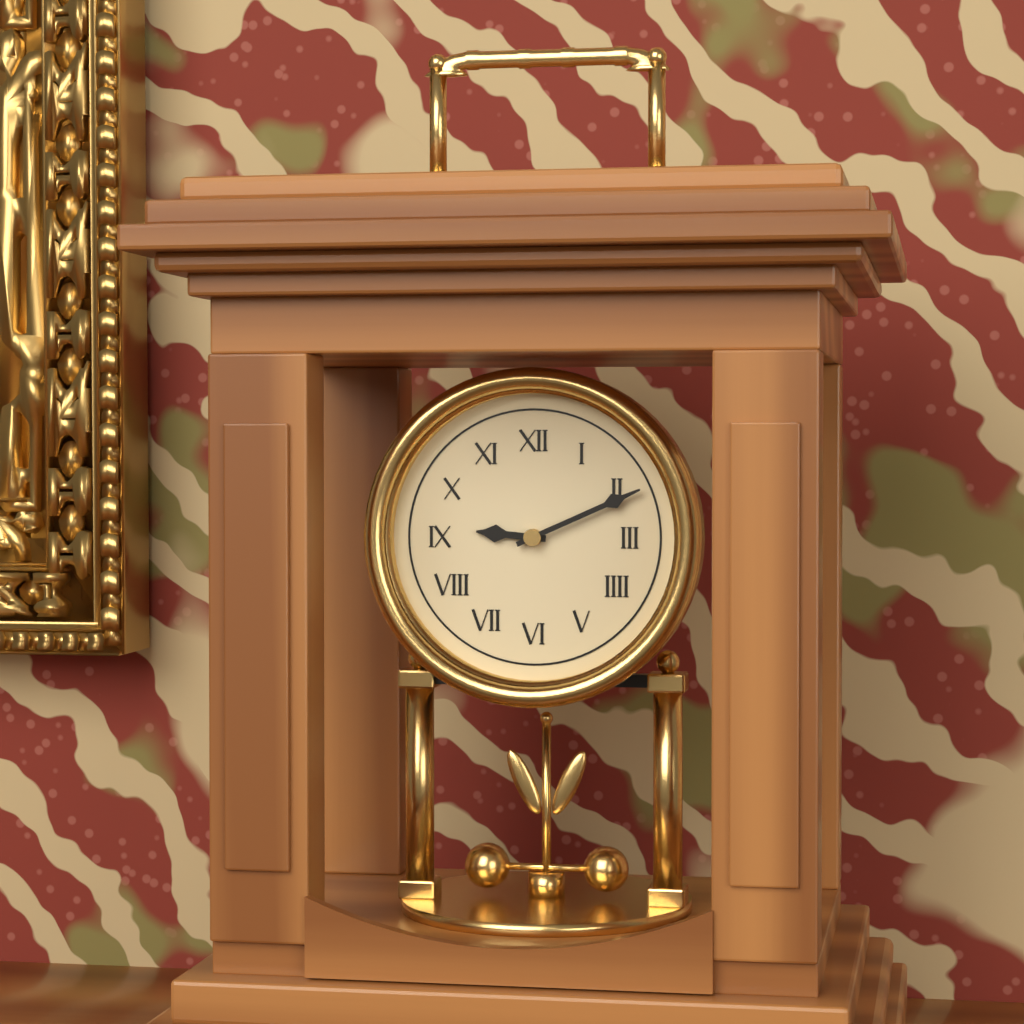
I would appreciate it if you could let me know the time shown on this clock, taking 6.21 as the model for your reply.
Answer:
9.11
